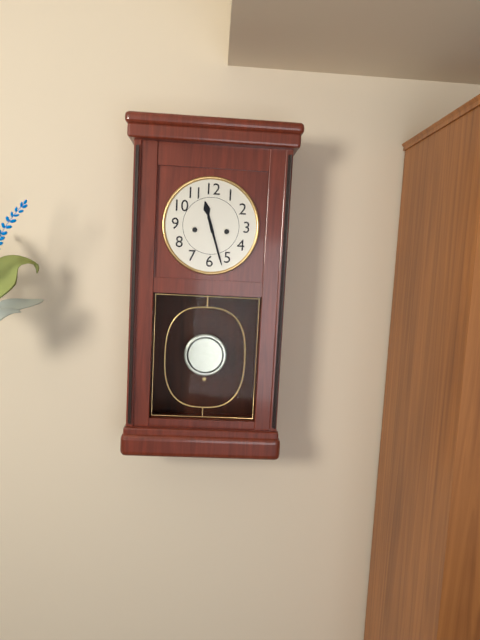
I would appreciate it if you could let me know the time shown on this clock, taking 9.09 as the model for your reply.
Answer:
11.27
